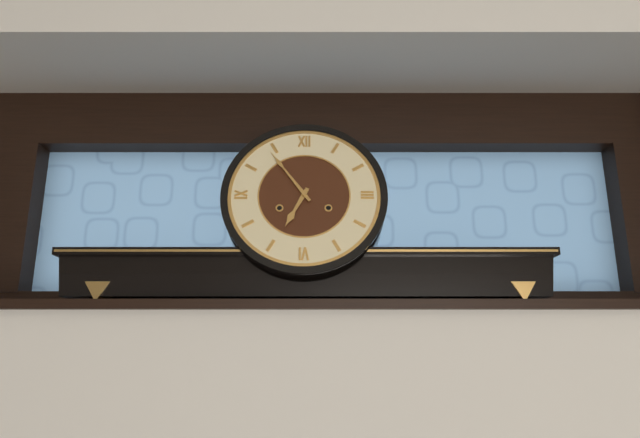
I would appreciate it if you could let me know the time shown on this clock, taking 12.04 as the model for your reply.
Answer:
6.54
